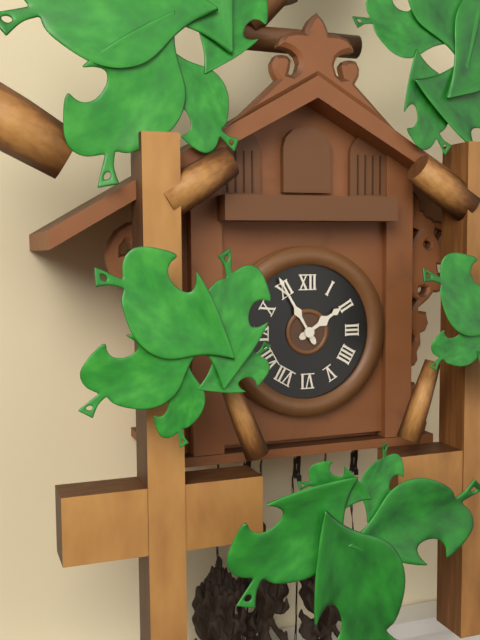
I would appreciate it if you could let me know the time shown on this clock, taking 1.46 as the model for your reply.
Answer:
1.55
